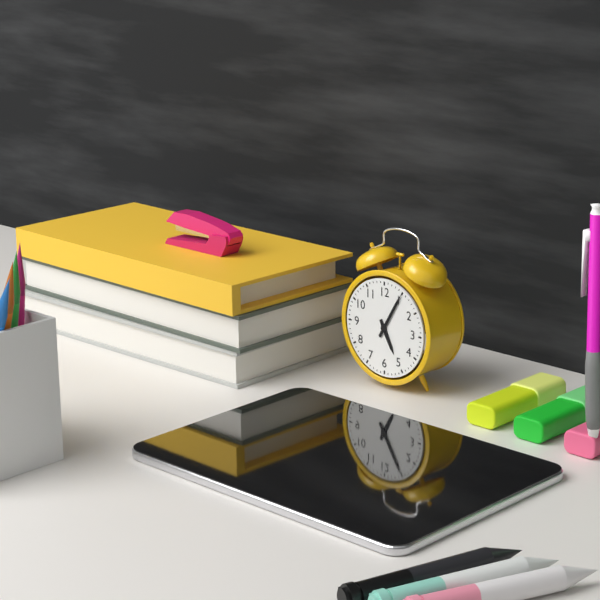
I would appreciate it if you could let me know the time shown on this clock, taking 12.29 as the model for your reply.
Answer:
5.05
